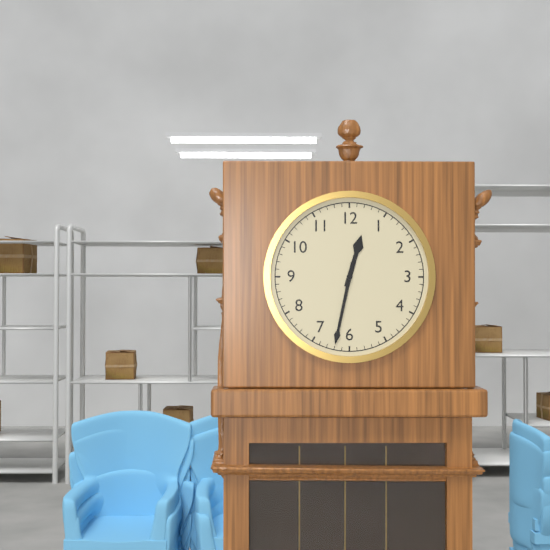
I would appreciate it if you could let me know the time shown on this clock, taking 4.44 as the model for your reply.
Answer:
12.32
